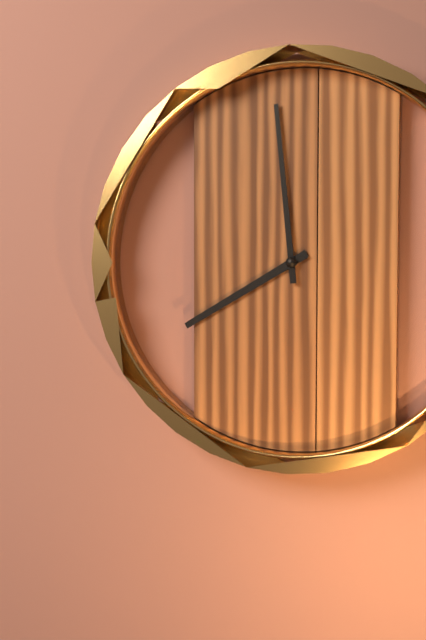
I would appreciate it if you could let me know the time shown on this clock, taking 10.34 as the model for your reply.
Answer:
7.59
